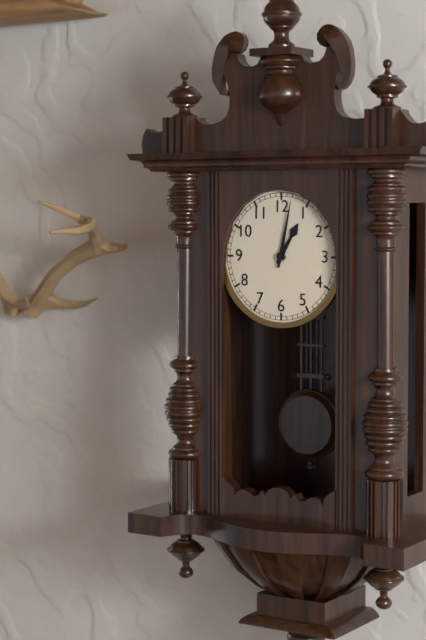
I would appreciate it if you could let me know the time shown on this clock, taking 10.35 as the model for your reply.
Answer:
1.02
